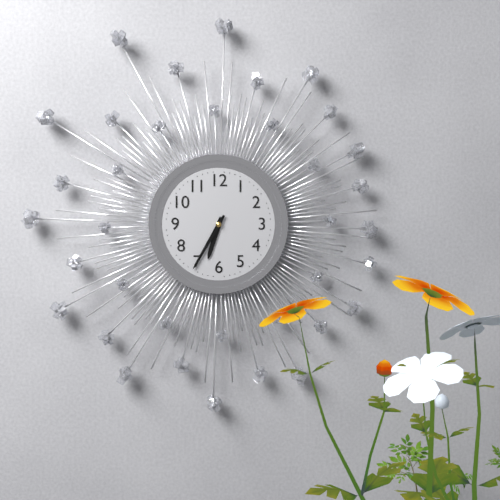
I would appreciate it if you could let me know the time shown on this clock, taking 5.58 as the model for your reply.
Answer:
6.35
